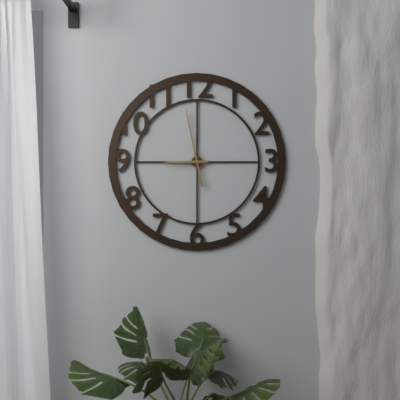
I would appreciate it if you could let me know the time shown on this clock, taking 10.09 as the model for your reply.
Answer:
8.58
